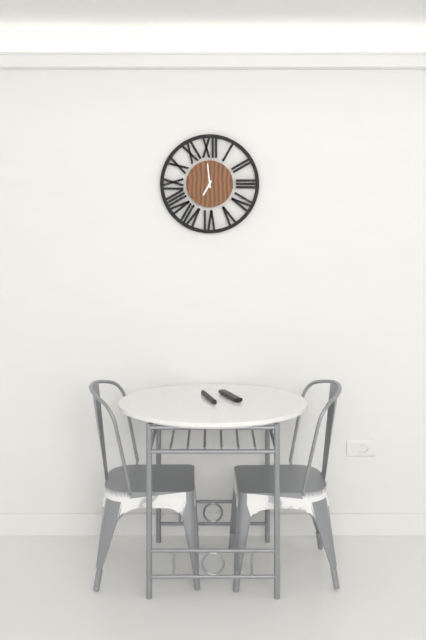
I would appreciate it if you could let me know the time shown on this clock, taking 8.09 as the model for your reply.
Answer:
6.59
